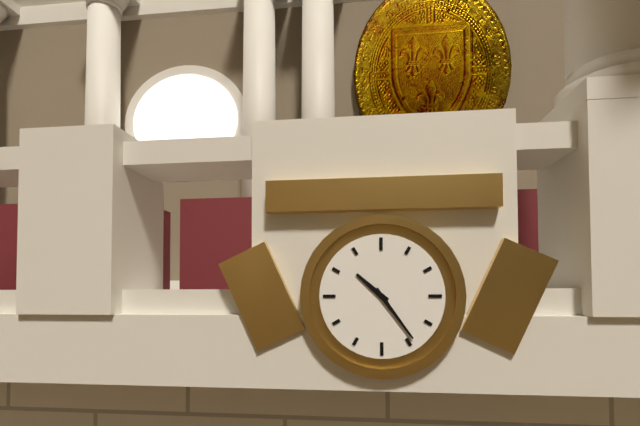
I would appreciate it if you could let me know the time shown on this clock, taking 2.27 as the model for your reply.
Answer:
10.24
